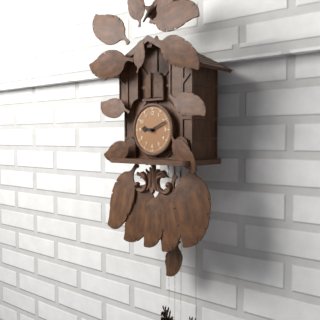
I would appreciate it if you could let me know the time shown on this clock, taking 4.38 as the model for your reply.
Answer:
9.11
